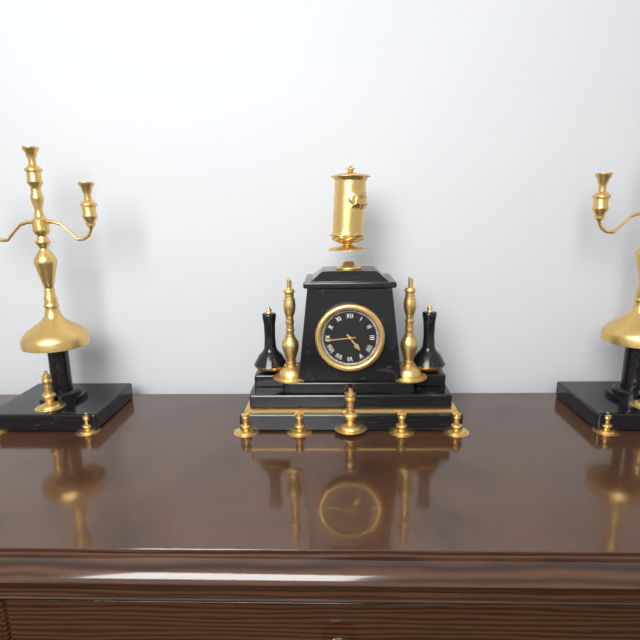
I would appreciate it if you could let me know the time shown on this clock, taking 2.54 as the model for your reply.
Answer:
4.44
